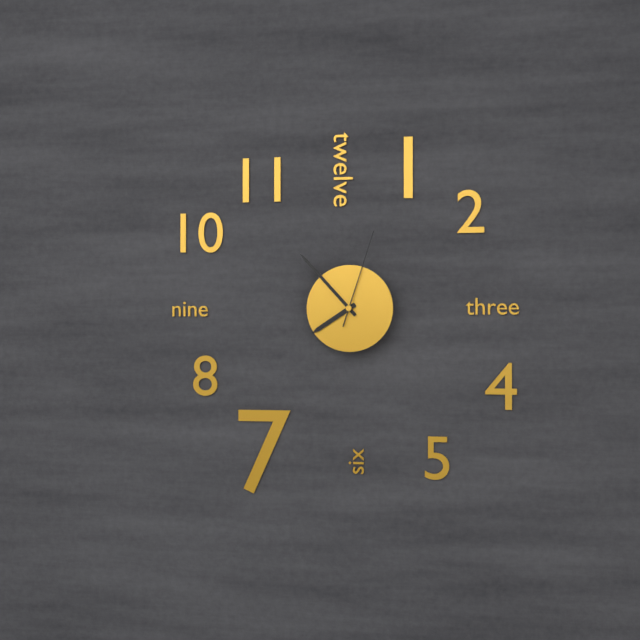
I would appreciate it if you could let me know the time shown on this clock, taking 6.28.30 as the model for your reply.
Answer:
7.53.03
